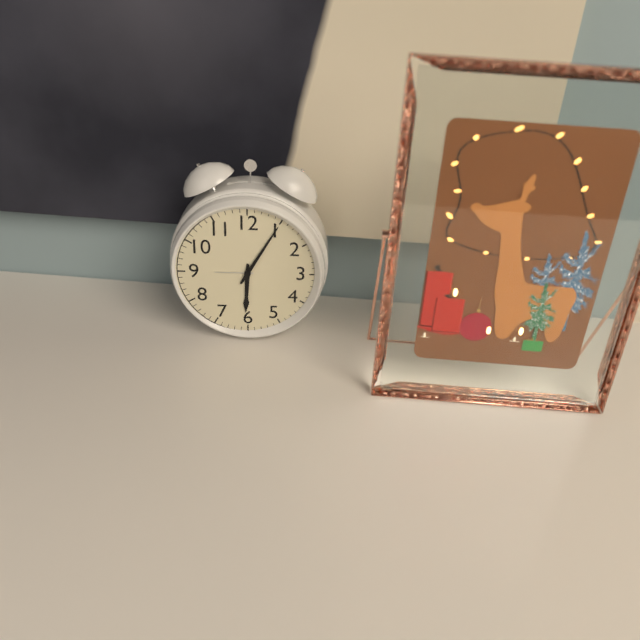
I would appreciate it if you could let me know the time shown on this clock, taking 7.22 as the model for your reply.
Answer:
6.05
